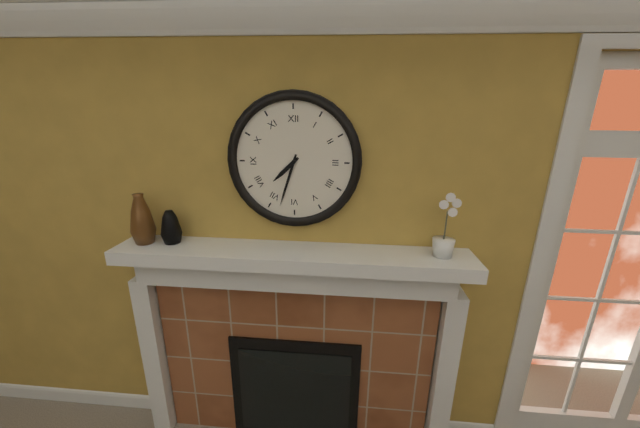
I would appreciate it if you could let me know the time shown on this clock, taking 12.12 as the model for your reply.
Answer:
7.33
